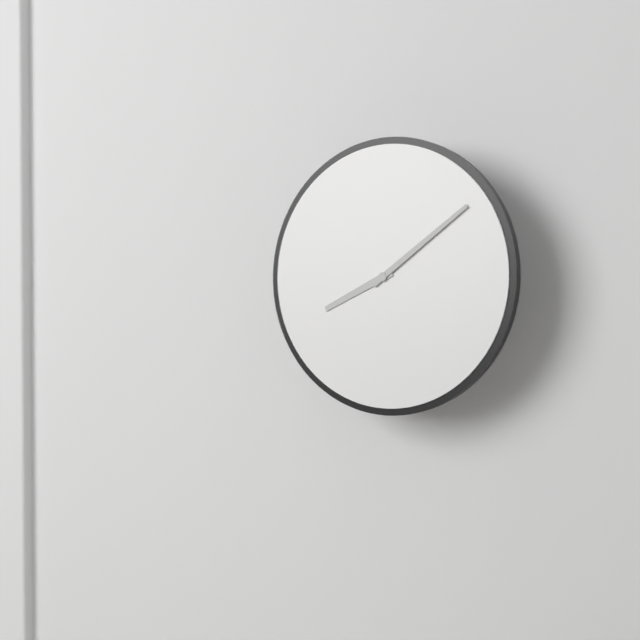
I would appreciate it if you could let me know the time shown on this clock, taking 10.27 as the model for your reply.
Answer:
8.09
